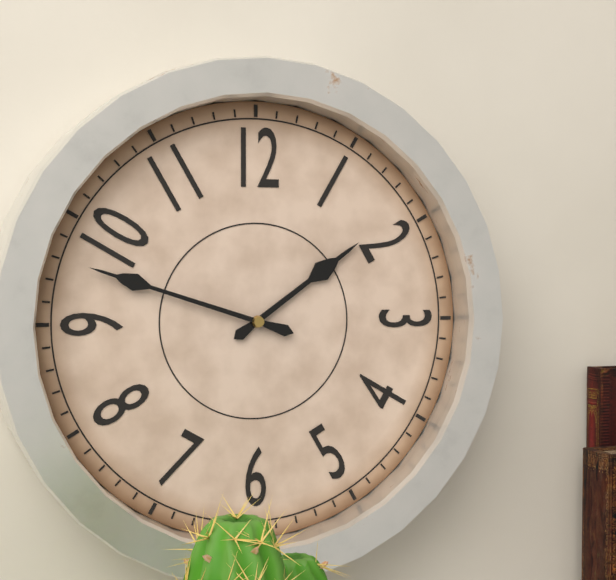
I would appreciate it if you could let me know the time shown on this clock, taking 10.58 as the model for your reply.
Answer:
1.48
